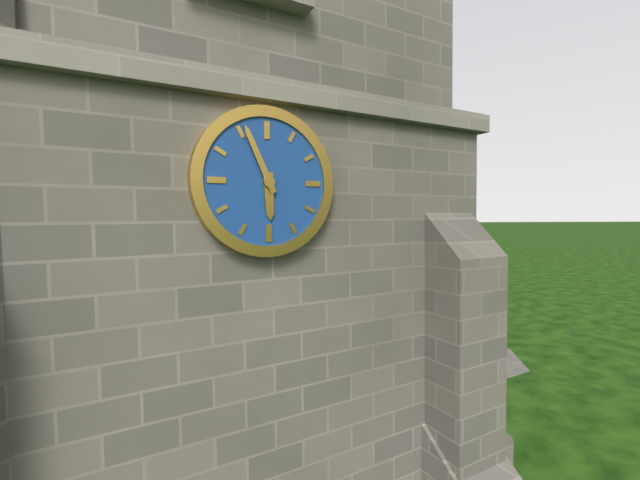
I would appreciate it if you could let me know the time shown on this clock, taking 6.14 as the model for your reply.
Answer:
5.56
